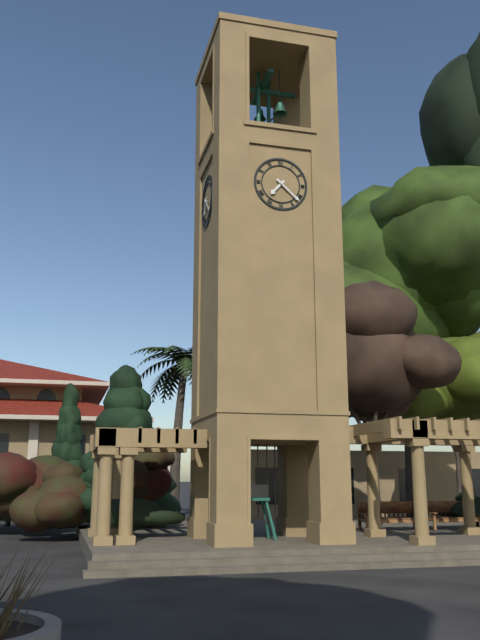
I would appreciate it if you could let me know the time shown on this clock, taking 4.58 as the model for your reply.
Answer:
7.22
